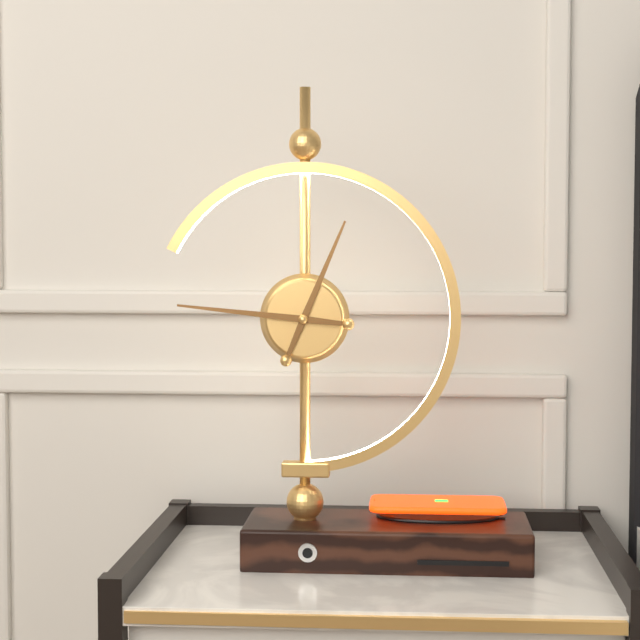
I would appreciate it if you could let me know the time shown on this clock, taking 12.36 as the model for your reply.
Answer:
12.46
